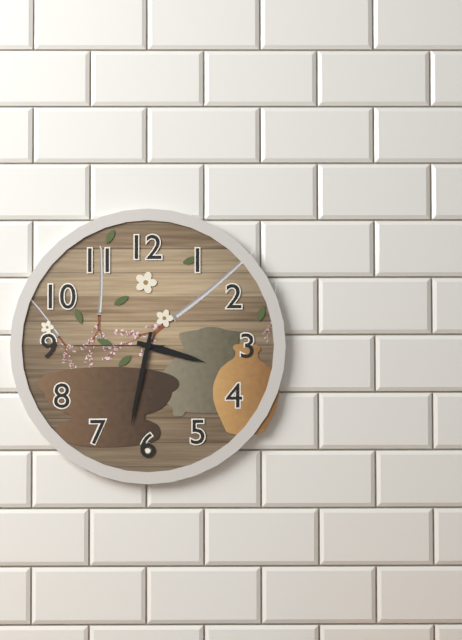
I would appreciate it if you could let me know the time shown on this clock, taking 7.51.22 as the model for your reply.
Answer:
3.32.45
